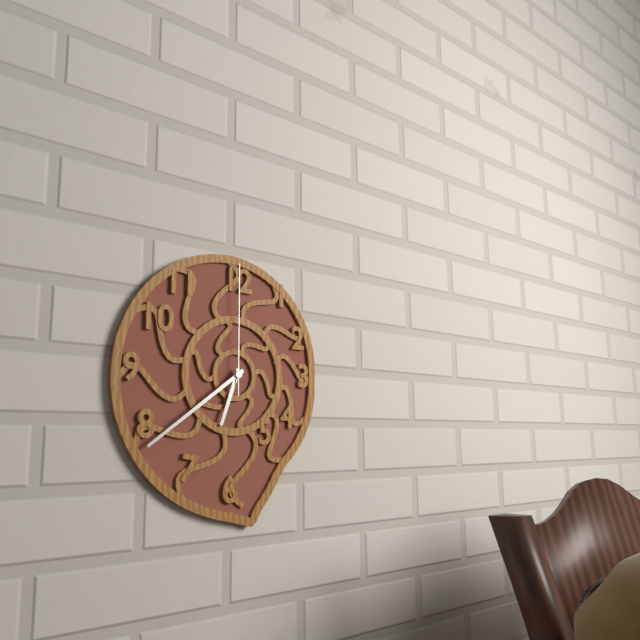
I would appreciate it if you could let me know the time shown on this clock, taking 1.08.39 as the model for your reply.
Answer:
6.39.00
